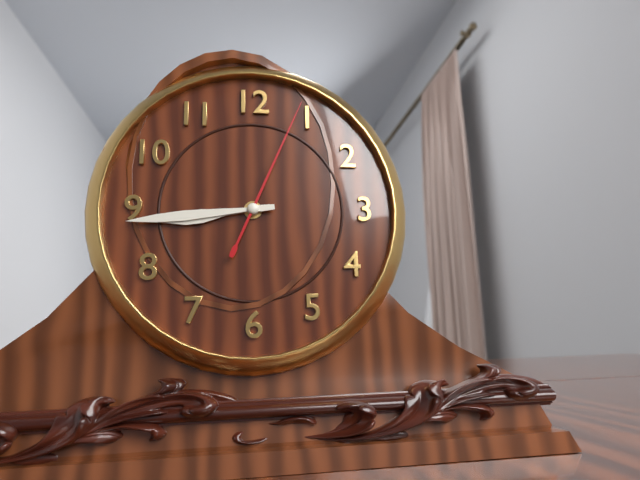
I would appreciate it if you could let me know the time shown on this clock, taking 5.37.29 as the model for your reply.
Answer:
8.44.04
